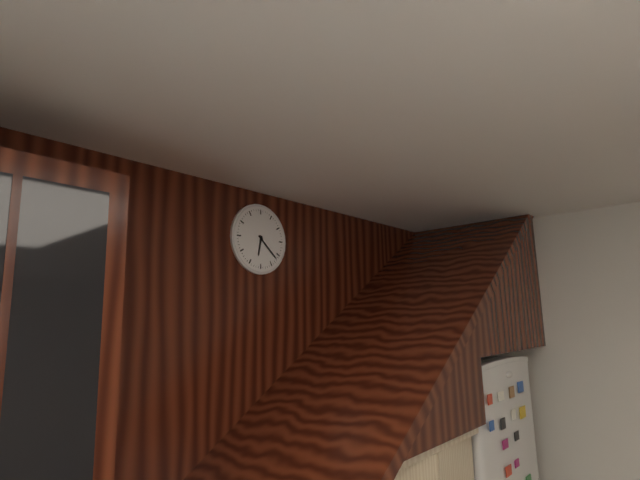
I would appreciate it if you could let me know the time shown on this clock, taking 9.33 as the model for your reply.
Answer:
6.22
